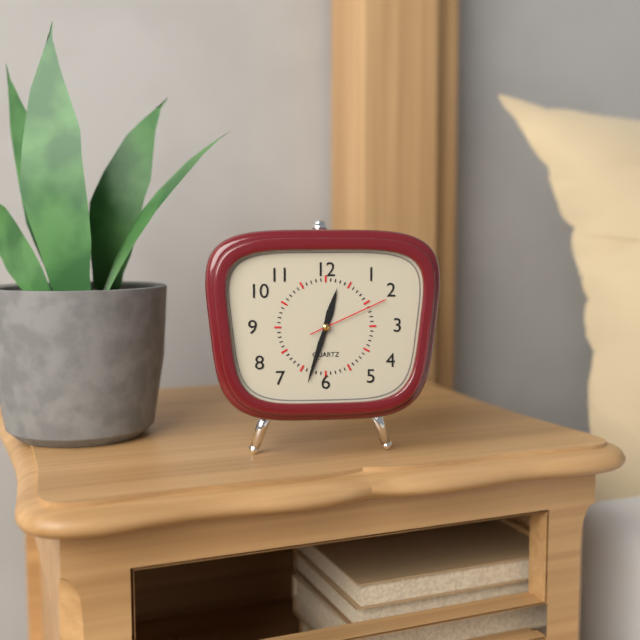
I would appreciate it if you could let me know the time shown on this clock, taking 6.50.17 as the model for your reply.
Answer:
12.33.11
